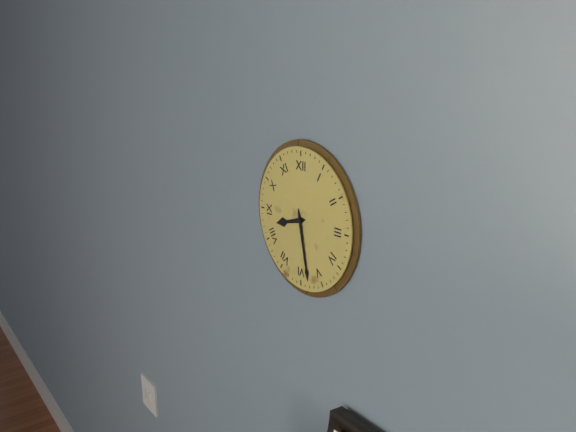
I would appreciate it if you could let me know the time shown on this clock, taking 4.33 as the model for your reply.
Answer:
8.28
